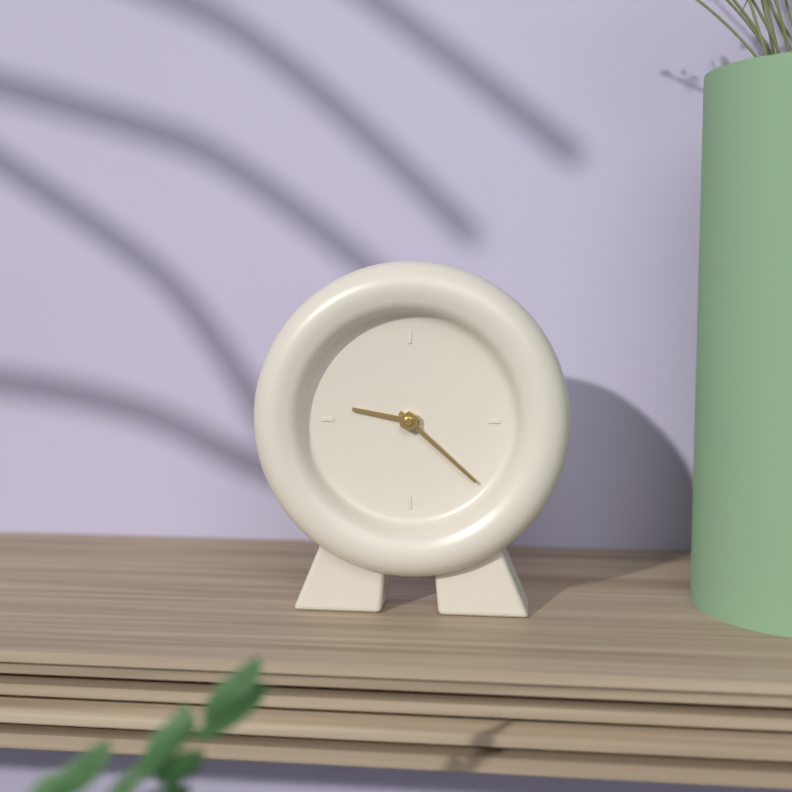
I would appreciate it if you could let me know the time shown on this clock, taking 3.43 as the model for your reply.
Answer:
9.22
